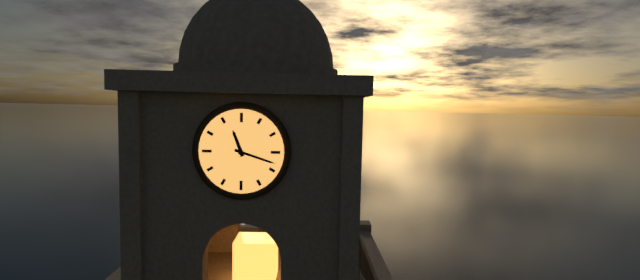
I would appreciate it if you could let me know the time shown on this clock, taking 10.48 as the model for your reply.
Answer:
11.18
